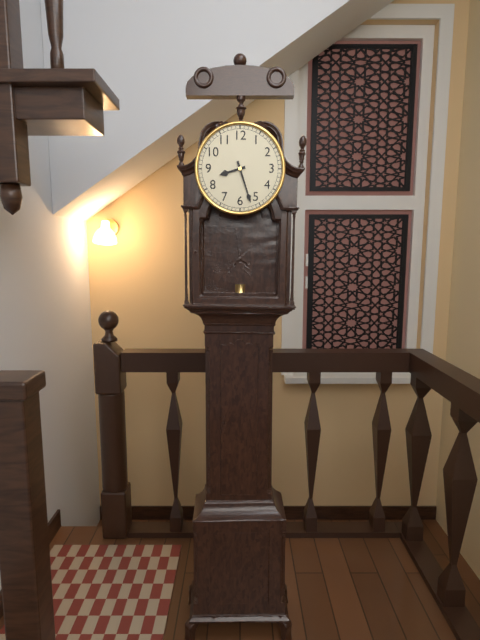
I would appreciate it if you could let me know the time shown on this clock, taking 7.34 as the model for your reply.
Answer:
8.27
